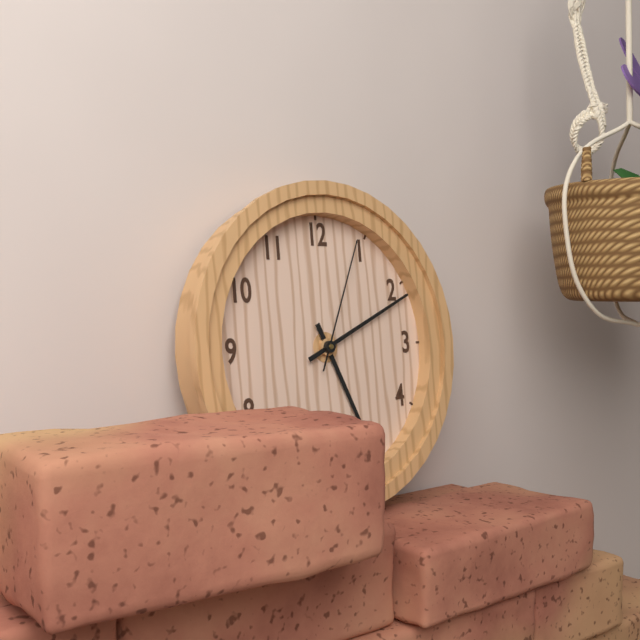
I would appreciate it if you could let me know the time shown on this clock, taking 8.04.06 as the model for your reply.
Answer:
5.11.04
